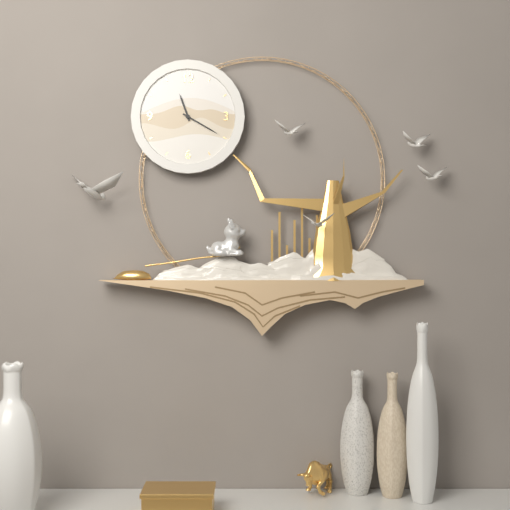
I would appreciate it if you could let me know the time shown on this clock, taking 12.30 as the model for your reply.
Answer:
11.20
